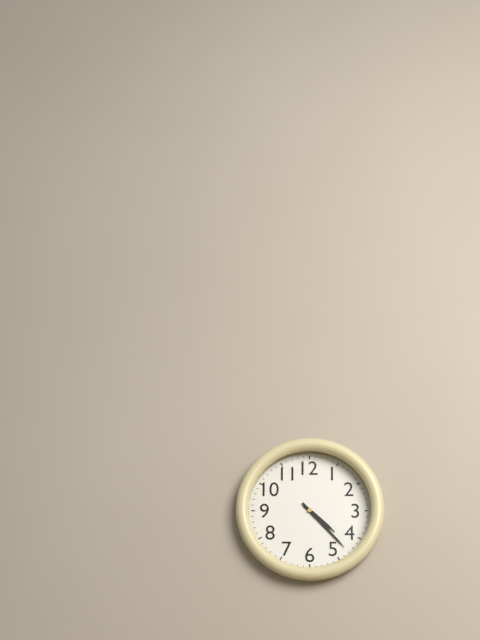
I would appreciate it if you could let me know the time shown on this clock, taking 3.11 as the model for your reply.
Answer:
4.23
